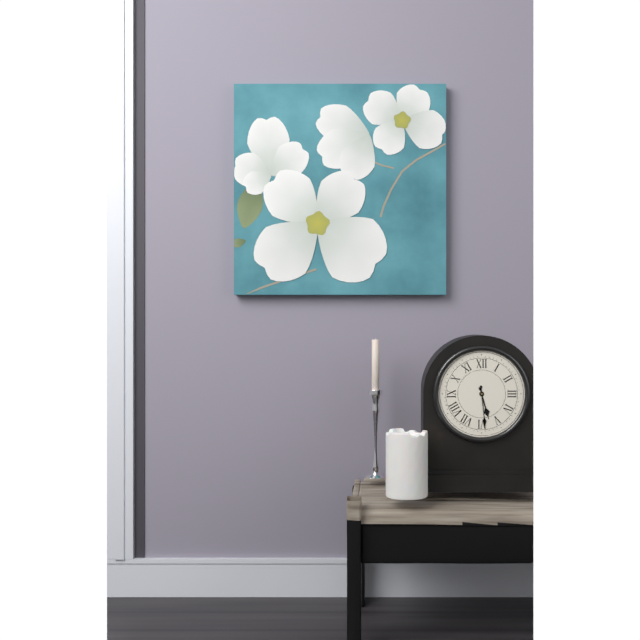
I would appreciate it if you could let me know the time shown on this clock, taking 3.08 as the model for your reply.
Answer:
5.29
